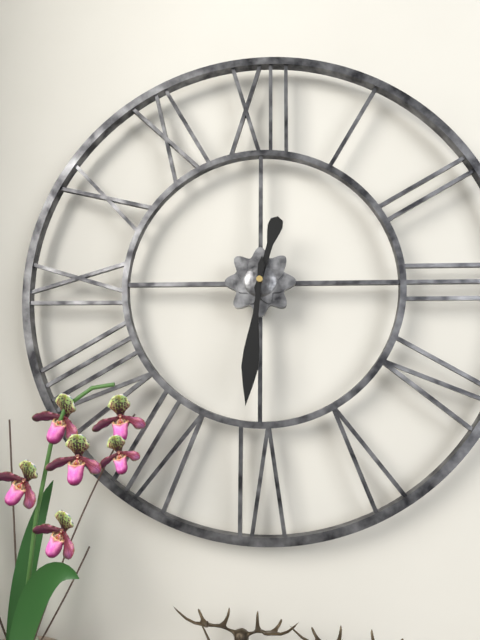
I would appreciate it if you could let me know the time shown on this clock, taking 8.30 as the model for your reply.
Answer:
12.31
